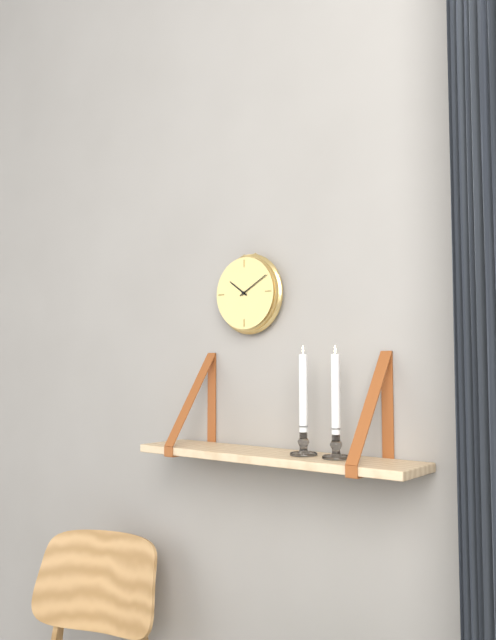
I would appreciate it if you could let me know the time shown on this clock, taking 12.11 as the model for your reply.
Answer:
10.10
